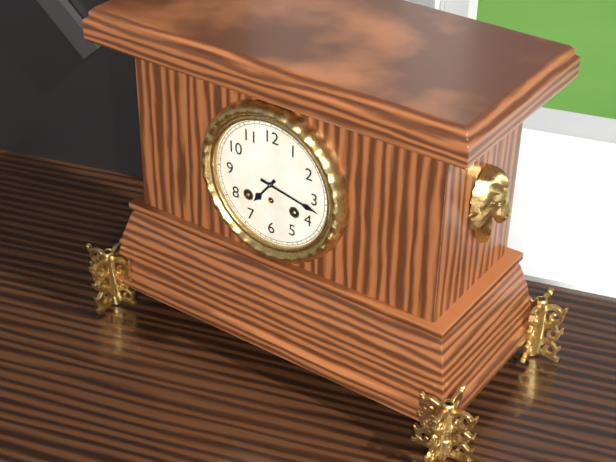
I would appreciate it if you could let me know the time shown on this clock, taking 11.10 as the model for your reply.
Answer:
7.17
